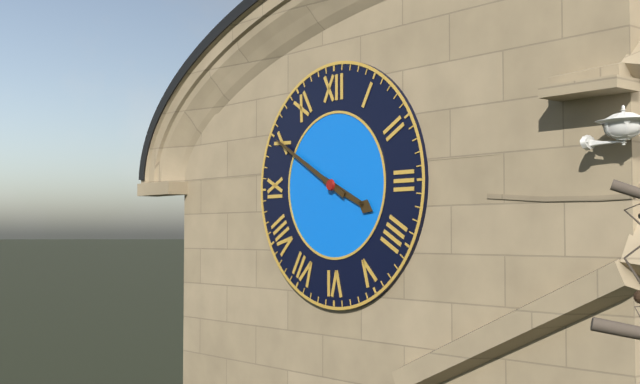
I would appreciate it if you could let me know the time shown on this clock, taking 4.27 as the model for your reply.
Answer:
3.50
